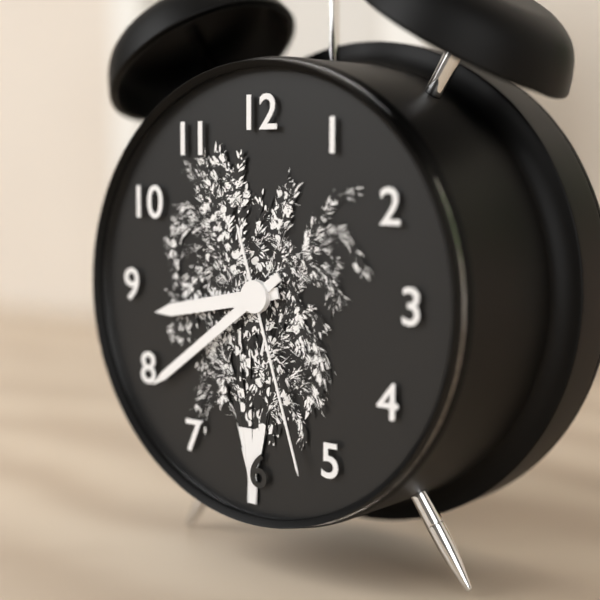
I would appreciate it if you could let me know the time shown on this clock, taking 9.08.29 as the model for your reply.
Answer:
8.39.27
